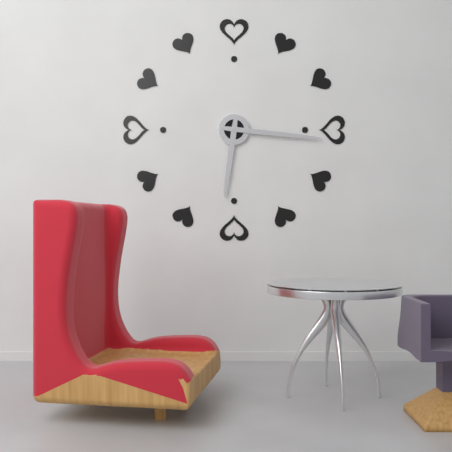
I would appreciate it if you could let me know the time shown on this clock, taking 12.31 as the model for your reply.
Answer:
6.16
